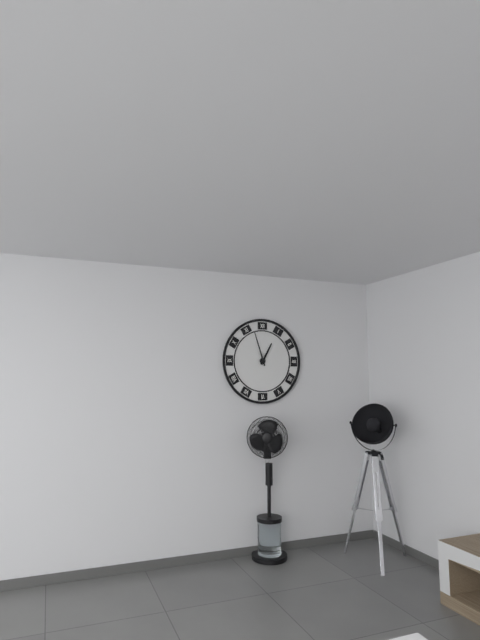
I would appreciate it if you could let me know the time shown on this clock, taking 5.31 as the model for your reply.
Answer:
12.57
